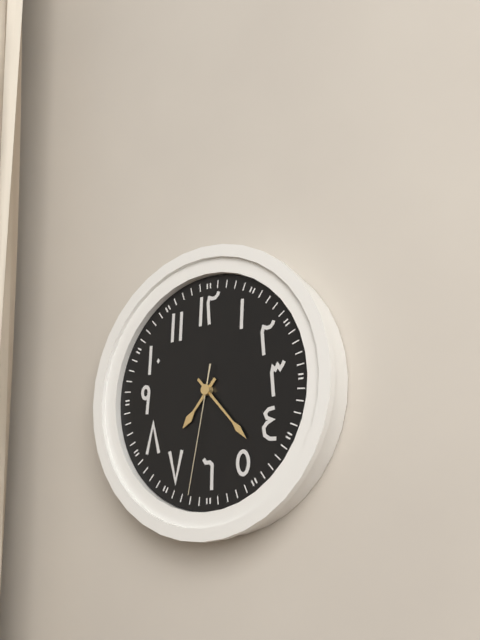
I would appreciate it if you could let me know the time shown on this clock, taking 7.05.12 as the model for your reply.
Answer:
7.23.32
